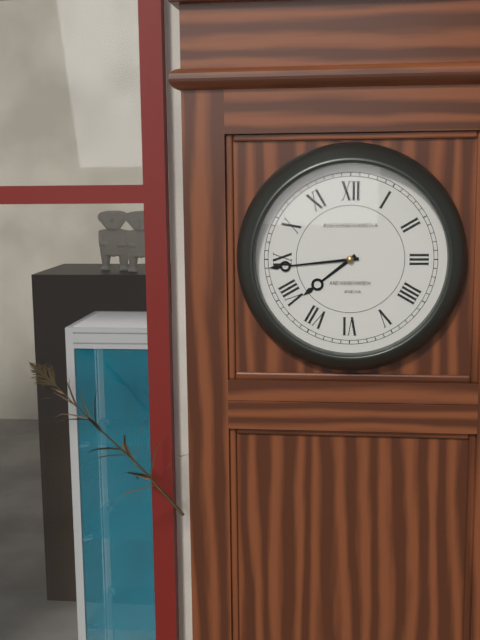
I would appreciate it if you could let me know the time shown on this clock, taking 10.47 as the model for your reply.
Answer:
7.44
